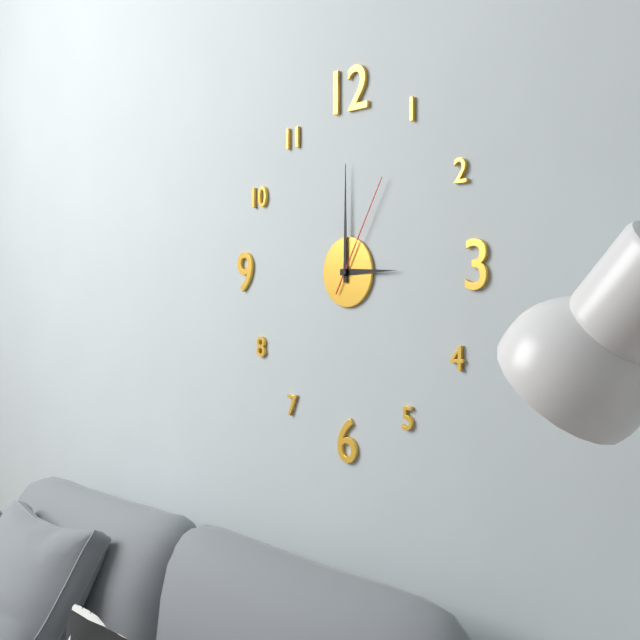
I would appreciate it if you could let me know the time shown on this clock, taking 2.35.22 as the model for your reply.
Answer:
3.00.05
